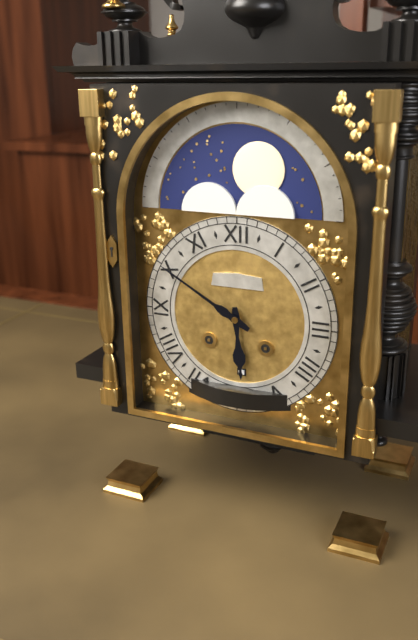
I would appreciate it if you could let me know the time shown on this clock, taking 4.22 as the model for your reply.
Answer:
5.50
